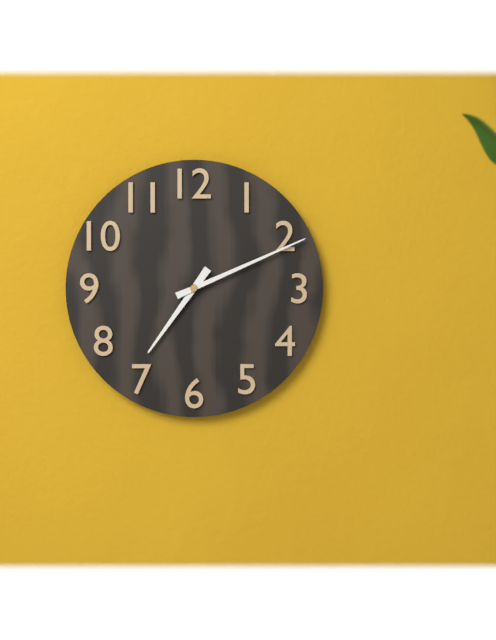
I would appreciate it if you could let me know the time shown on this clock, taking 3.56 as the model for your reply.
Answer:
7.11
